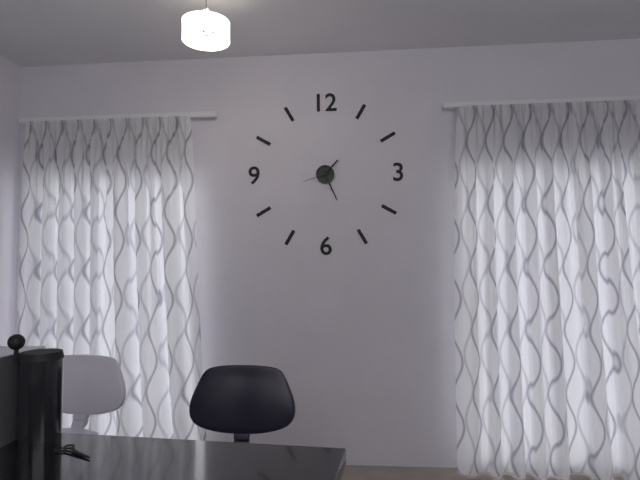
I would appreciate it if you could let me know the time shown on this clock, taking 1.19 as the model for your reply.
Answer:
1.26
